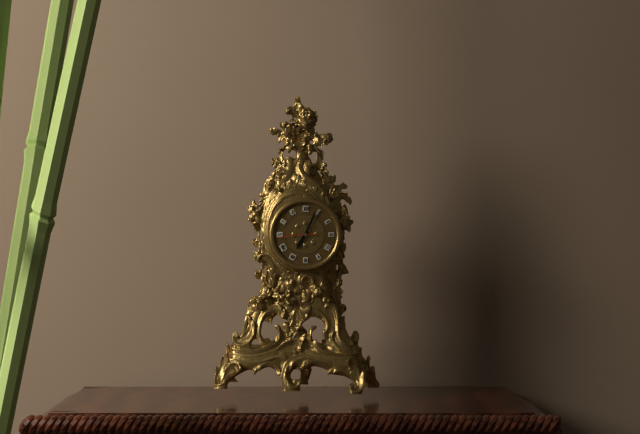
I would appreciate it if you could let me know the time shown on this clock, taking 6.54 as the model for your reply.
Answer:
7.04
